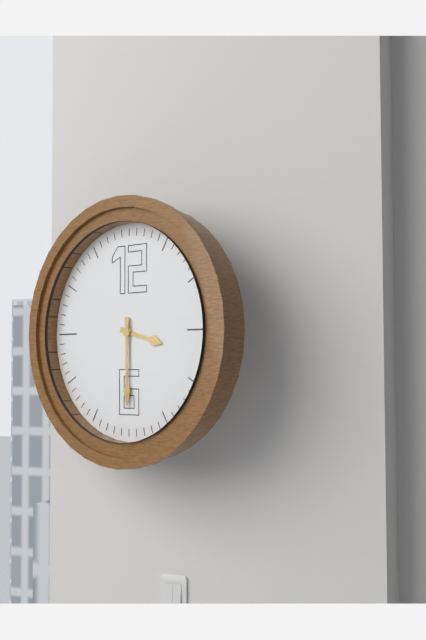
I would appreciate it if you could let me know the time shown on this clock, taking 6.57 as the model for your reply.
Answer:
3.30
